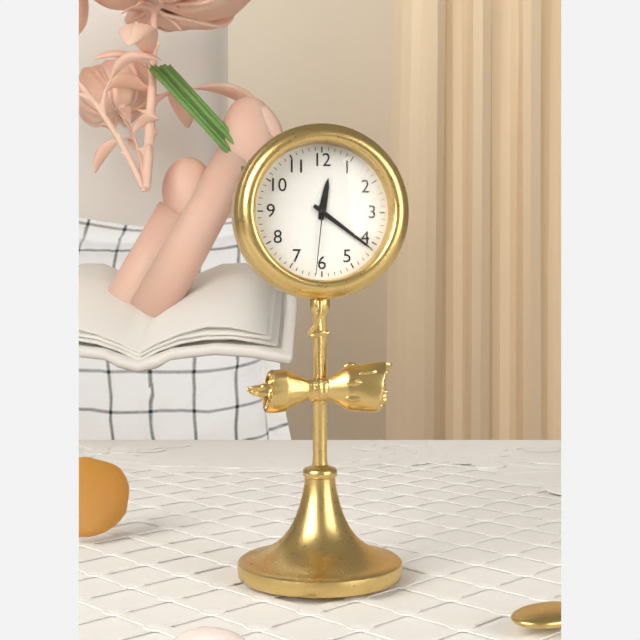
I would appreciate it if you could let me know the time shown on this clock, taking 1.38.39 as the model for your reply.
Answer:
12.21.31
